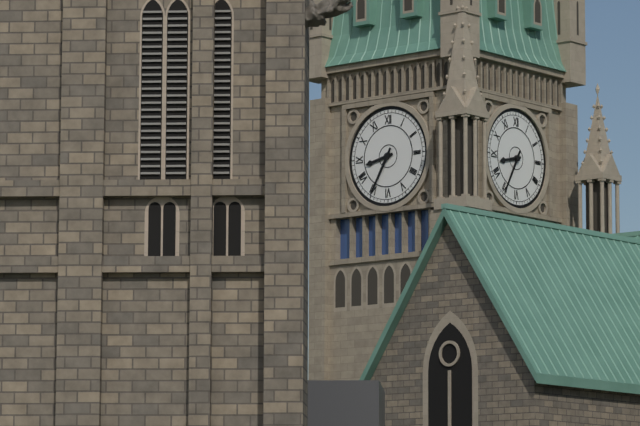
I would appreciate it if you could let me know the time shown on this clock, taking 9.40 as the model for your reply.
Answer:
8.35
